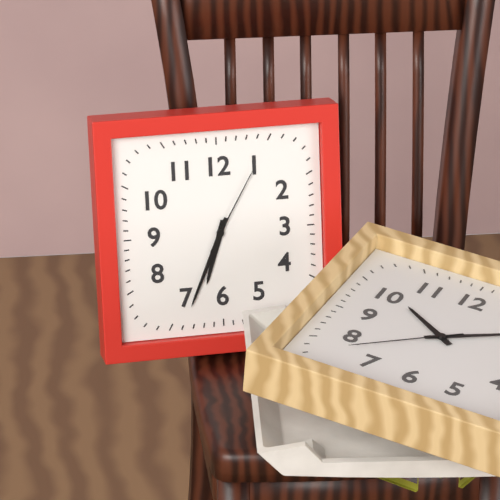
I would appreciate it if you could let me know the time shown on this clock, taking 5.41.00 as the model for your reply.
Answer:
6.34.05
